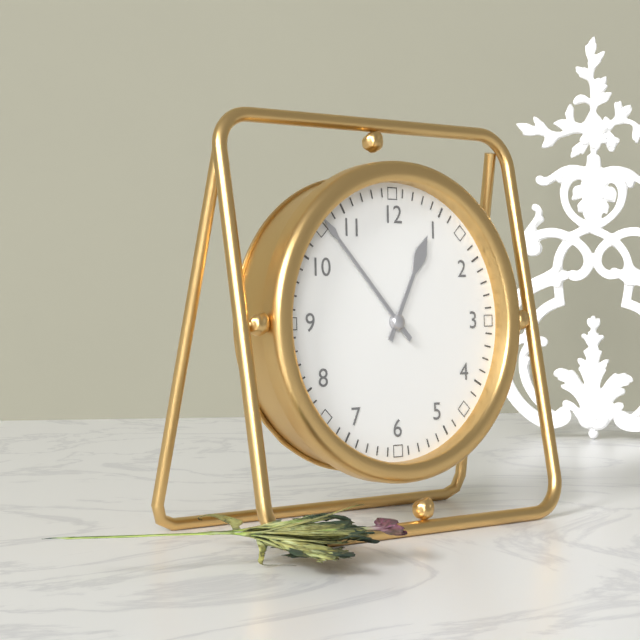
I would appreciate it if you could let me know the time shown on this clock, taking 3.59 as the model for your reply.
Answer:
12.53
